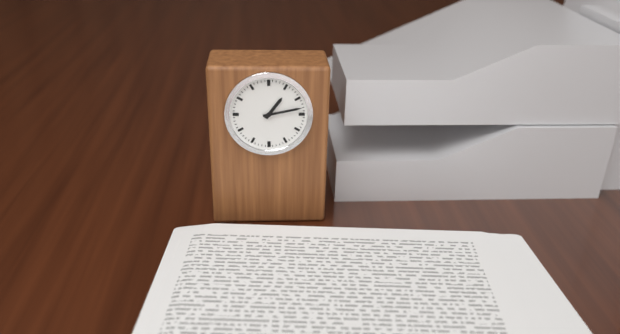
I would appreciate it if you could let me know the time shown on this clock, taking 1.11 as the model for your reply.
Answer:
1.13
